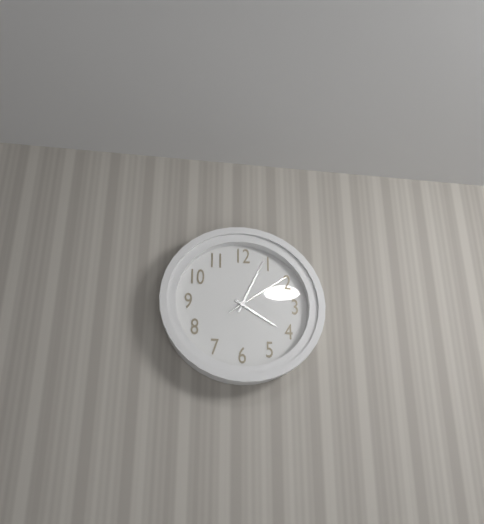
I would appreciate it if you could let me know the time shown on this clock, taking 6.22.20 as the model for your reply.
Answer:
4.04.09
